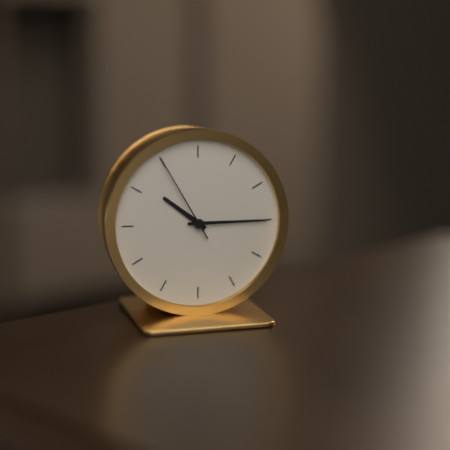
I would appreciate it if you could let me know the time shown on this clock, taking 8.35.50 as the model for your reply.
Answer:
10.15.55
